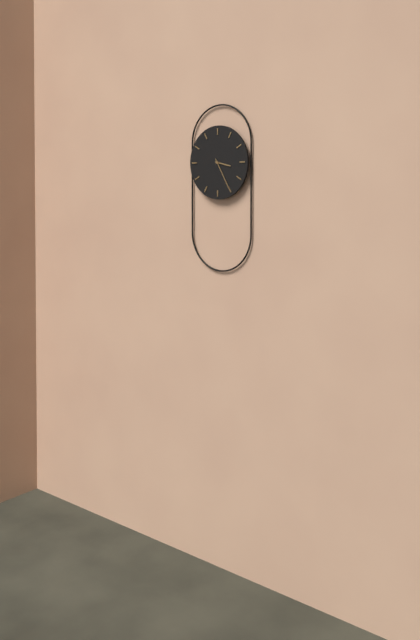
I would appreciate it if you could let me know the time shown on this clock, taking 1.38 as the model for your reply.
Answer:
3.25
